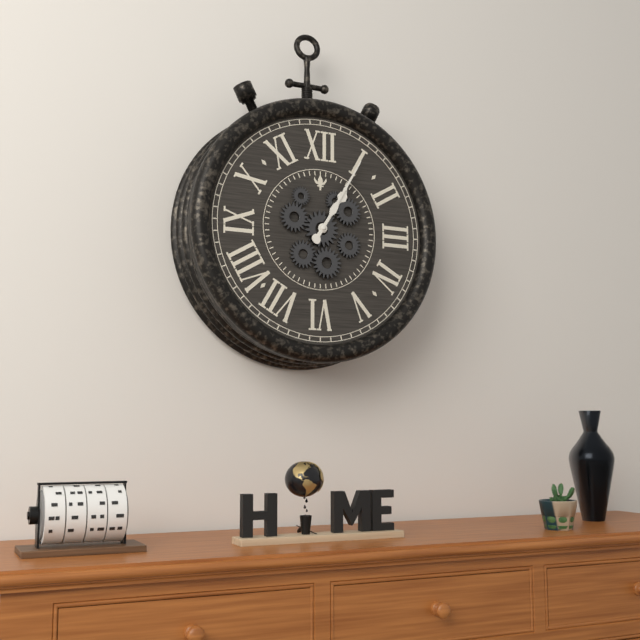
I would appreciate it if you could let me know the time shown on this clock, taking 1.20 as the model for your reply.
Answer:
1.05
